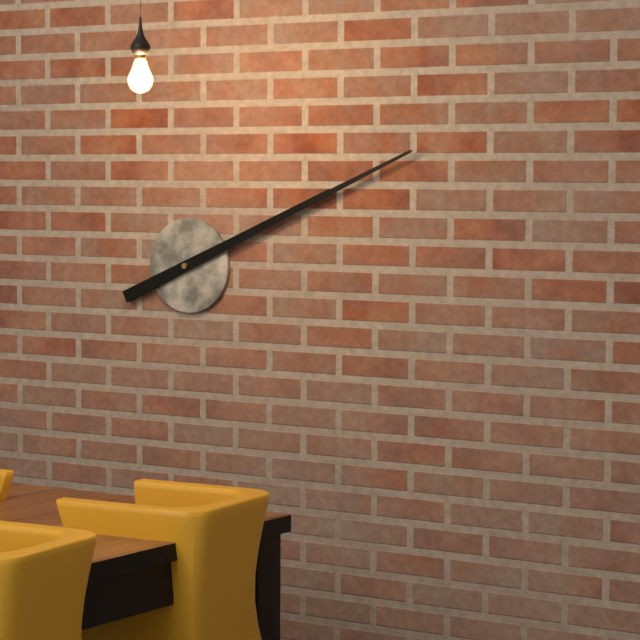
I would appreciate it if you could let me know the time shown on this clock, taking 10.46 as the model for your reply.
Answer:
2.11
